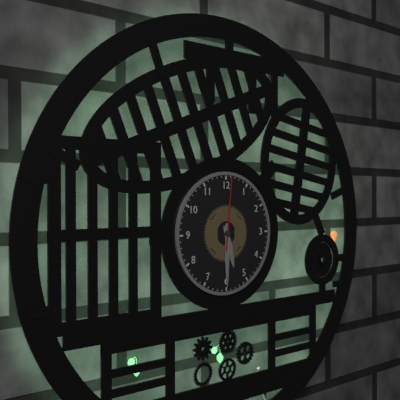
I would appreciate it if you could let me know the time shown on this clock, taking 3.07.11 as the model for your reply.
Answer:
5.30.01
